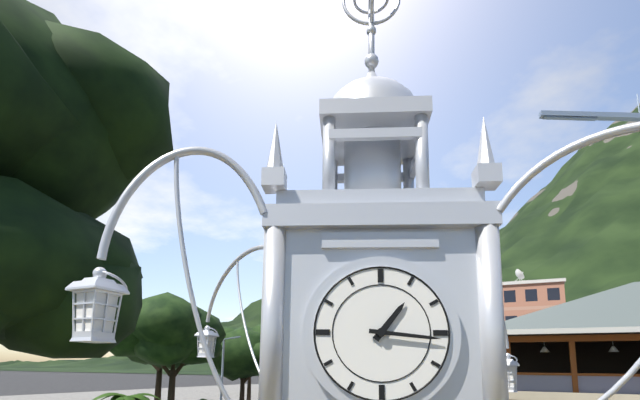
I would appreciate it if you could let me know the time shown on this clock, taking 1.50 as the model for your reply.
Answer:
1.16
